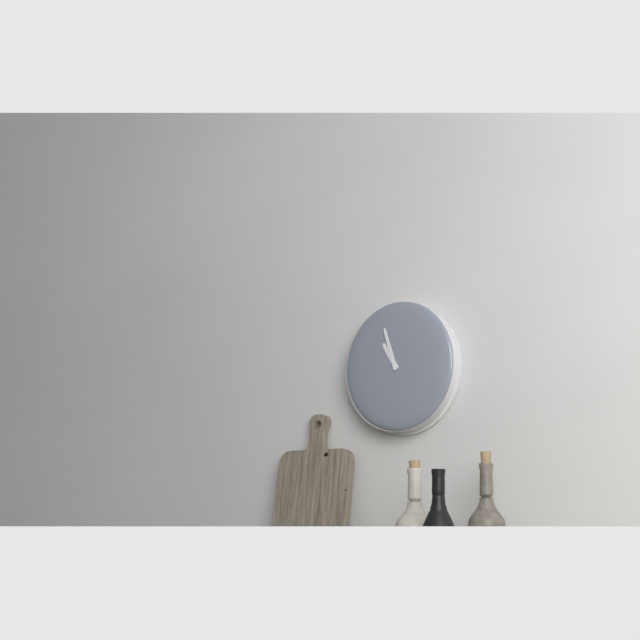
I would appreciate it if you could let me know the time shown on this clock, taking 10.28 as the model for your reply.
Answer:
10.57
